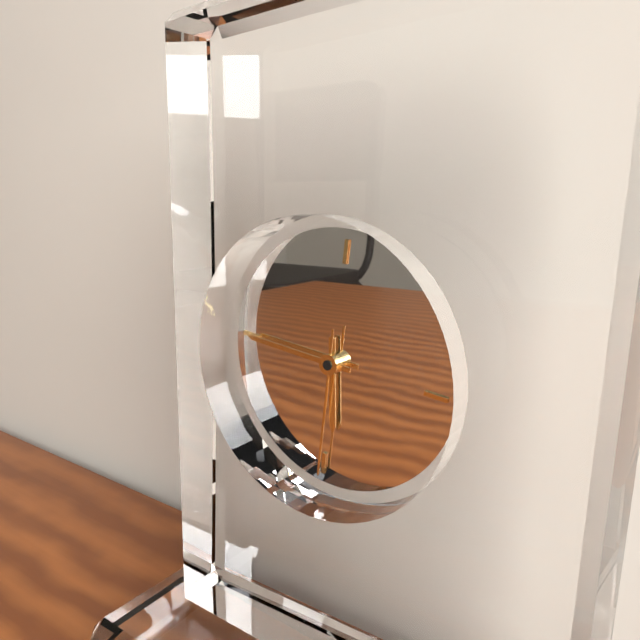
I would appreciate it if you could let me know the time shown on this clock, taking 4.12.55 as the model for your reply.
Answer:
5.45.30
